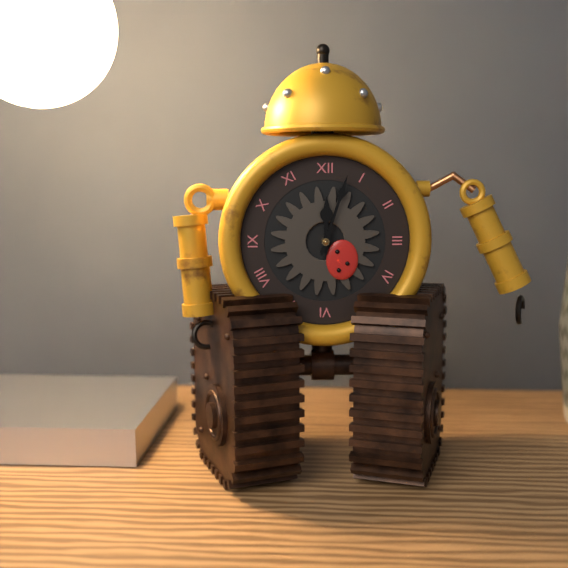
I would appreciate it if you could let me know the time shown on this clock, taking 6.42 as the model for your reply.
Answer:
12.03
